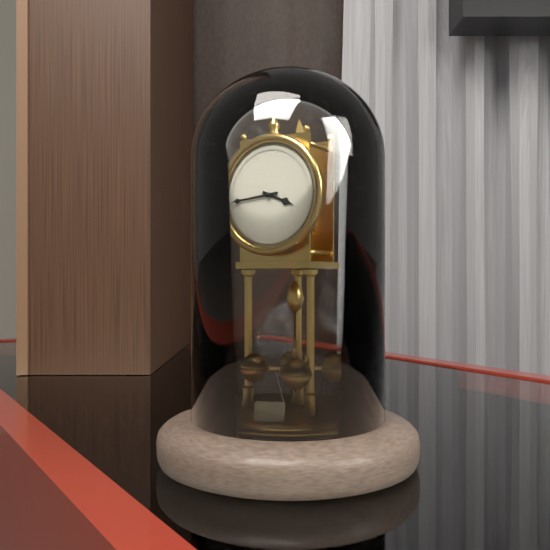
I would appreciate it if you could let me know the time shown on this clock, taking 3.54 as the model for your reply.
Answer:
3.44
